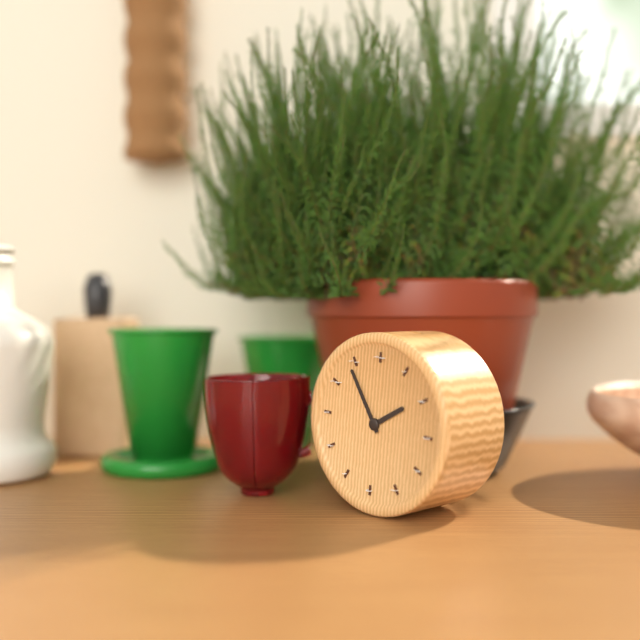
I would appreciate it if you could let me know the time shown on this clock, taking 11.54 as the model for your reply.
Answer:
1.54
